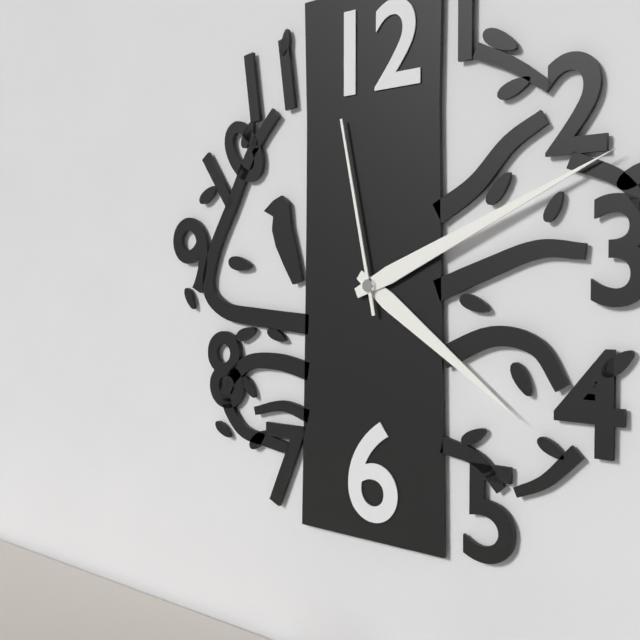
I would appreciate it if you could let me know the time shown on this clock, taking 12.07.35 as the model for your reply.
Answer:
4.11.58
